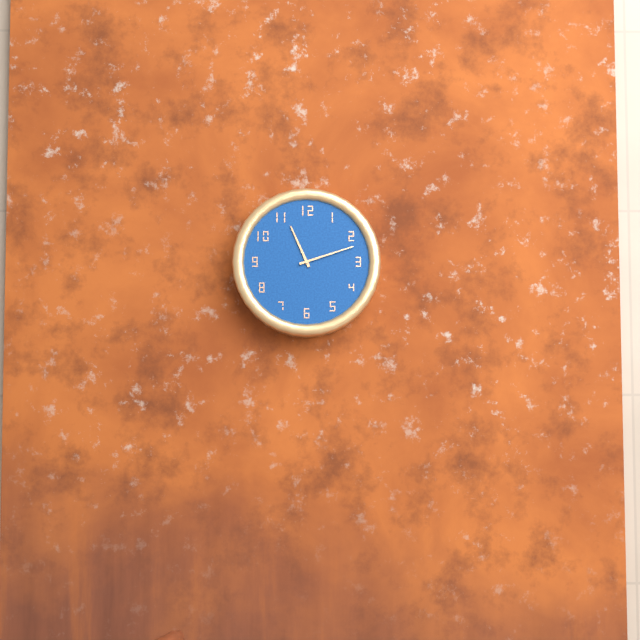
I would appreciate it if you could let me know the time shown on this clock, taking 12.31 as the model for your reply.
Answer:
11.12
